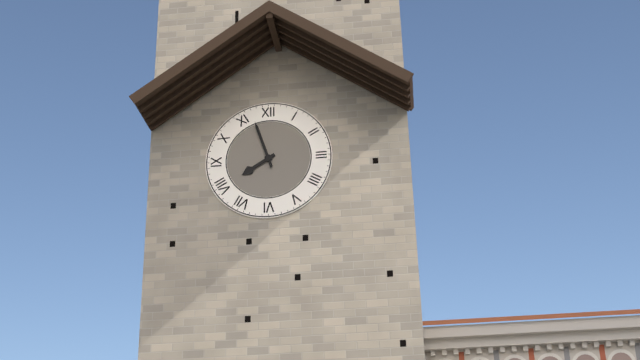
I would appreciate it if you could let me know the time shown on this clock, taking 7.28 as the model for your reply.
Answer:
7.57
